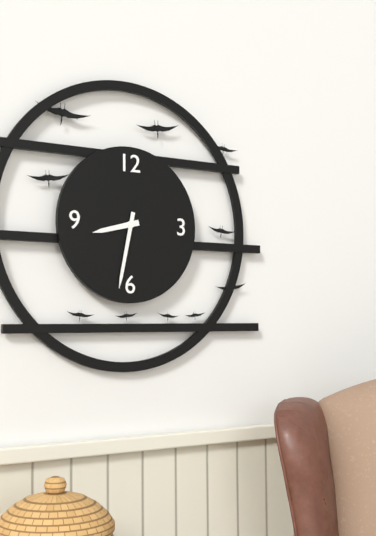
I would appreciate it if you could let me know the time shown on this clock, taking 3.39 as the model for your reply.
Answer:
8.32
